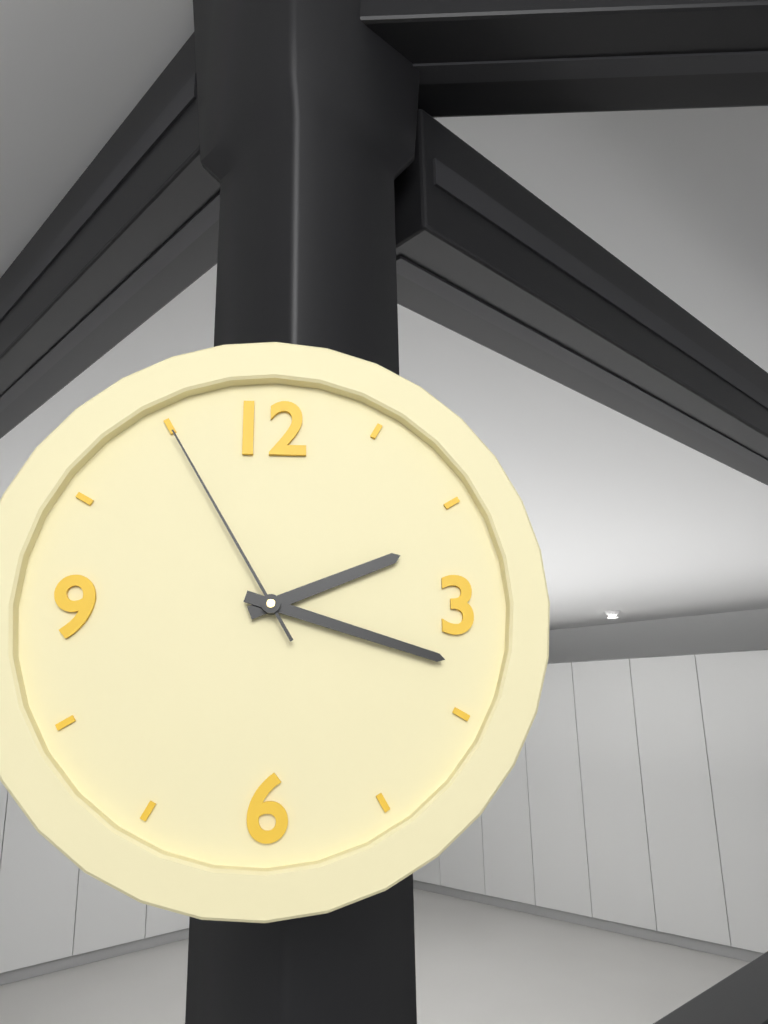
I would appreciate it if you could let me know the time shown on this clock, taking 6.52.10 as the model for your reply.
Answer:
2.18.55
